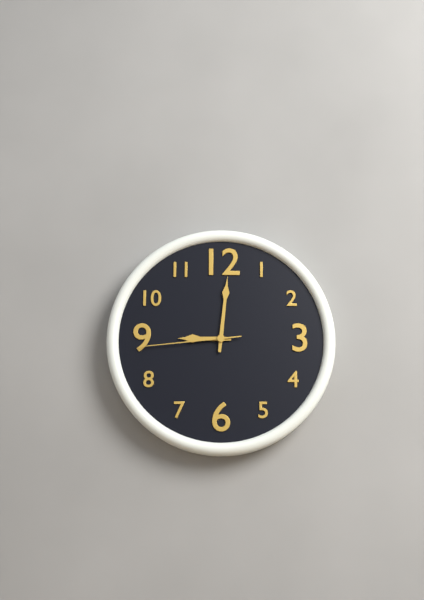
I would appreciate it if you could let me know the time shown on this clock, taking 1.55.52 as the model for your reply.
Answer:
9.01.44
